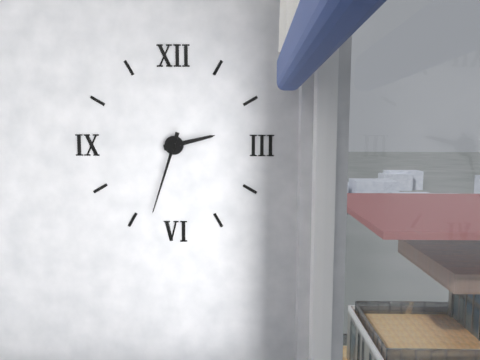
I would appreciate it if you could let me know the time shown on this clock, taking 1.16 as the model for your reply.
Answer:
2.33
